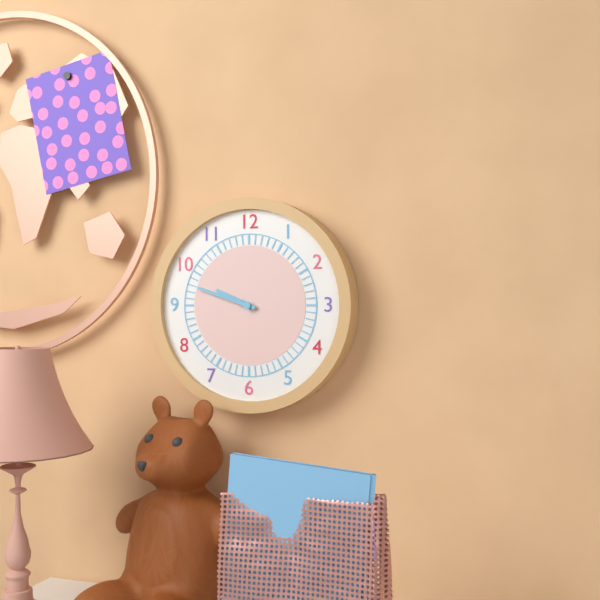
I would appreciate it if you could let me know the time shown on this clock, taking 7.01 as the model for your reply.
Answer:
9.48
